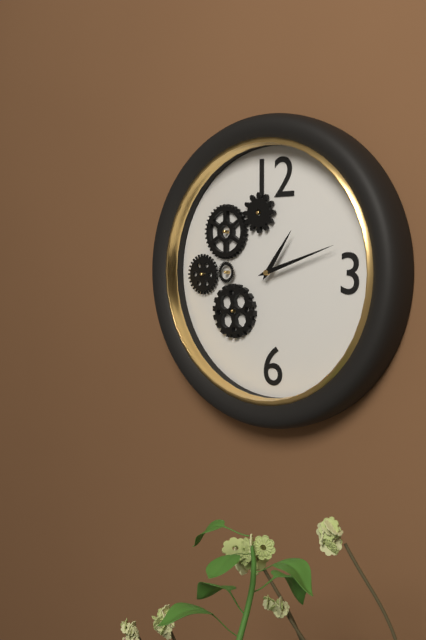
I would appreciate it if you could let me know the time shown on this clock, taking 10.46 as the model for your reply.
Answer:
1.12
